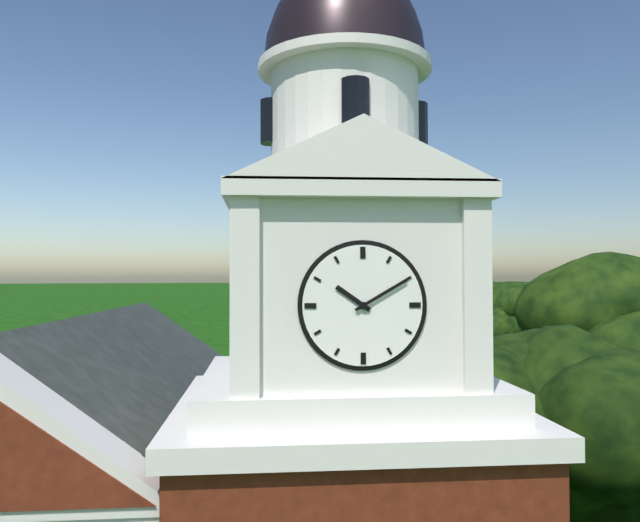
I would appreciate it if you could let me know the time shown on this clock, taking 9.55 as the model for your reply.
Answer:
10.10
